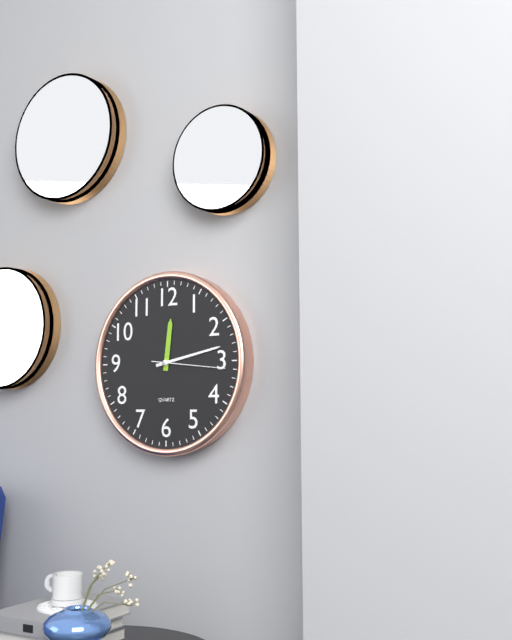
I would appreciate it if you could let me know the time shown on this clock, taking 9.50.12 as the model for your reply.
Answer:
12.13.16
